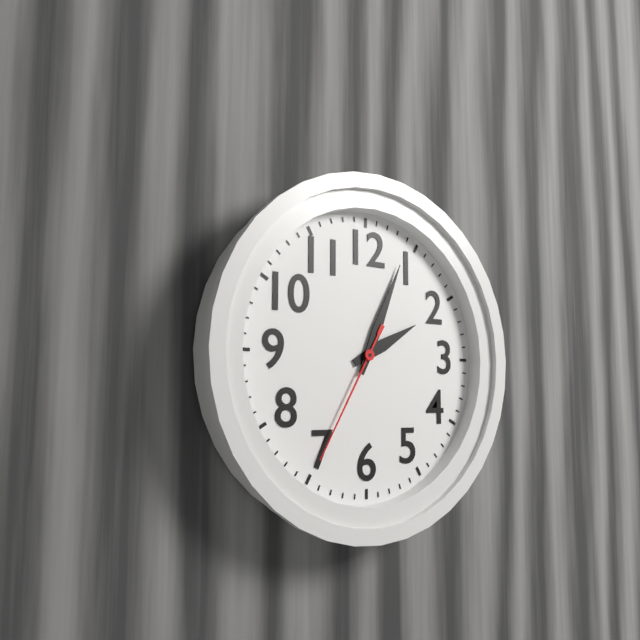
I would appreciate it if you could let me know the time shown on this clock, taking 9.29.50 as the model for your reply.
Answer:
2.04.35
